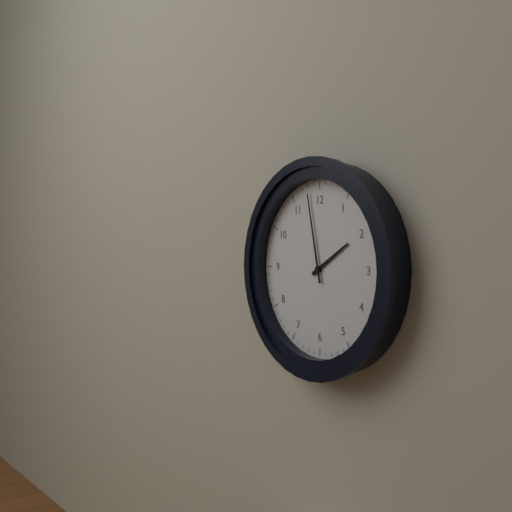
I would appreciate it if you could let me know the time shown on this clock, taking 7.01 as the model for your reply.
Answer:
1.58
